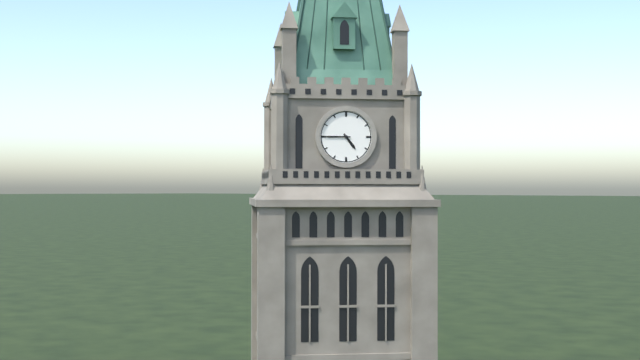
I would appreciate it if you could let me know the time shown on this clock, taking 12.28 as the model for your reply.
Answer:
4.45
